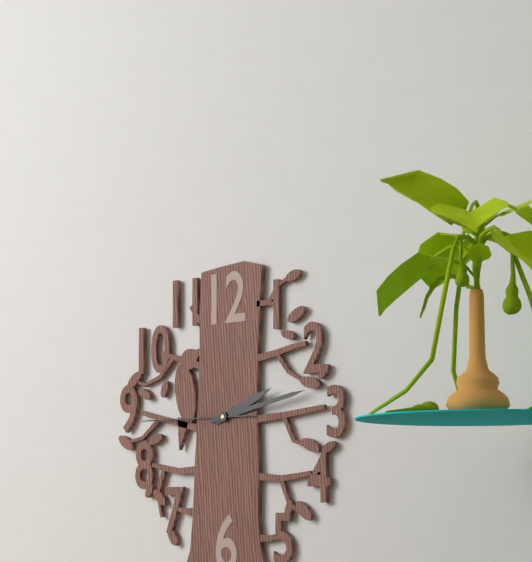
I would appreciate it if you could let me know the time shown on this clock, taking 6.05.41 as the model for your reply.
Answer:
2.13.45
